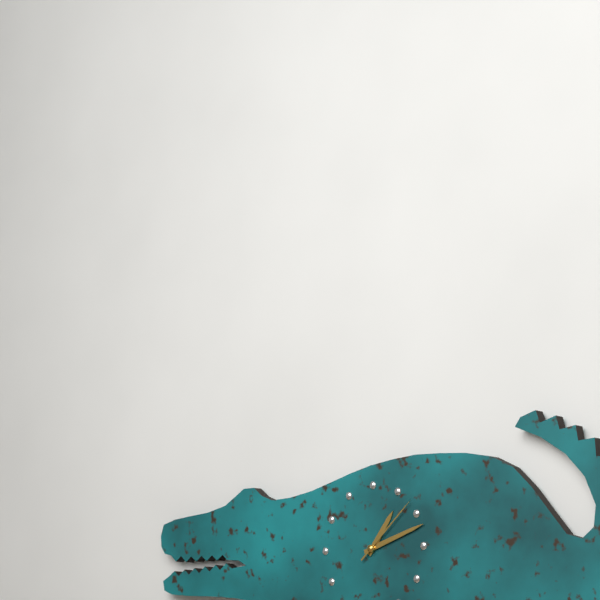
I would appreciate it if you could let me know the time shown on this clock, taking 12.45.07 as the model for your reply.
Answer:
1.12.08
